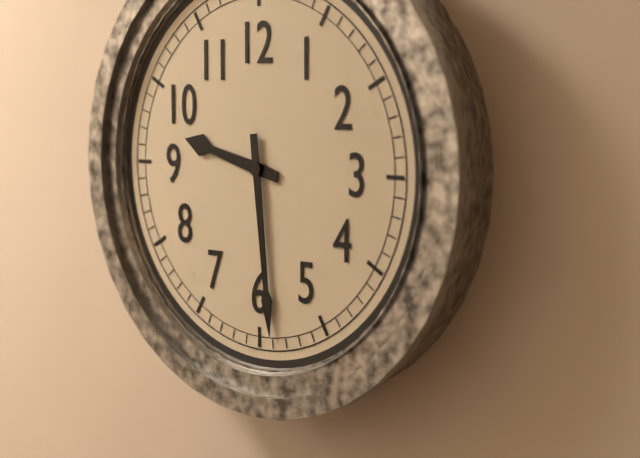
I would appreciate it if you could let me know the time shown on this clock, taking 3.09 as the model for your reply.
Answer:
9.29
